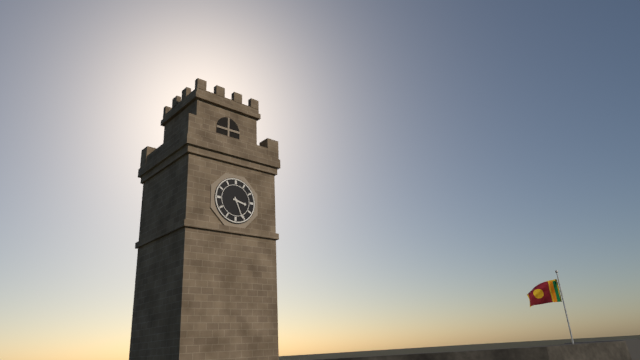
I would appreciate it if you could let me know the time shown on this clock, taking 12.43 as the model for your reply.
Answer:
3.26
